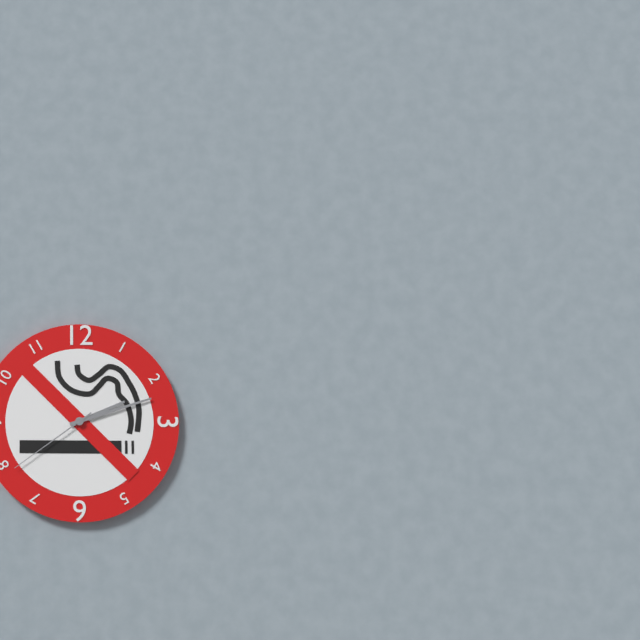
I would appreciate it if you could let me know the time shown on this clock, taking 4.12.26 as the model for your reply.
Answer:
2.12.39
